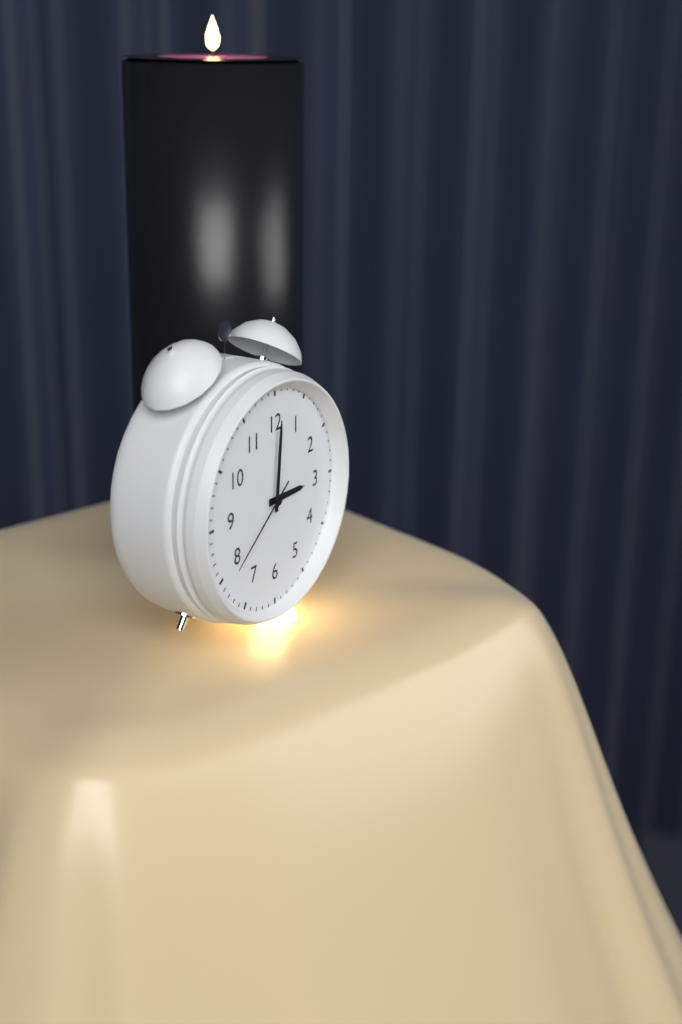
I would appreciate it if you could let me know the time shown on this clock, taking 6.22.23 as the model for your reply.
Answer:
3.01.39
